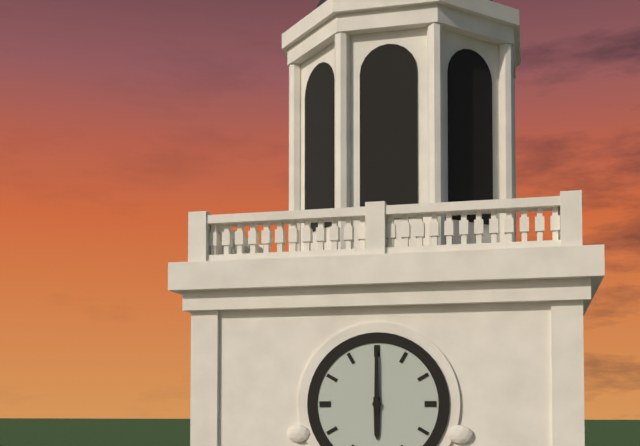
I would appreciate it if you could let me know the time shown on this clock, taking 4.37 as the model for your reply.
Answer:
6.00
